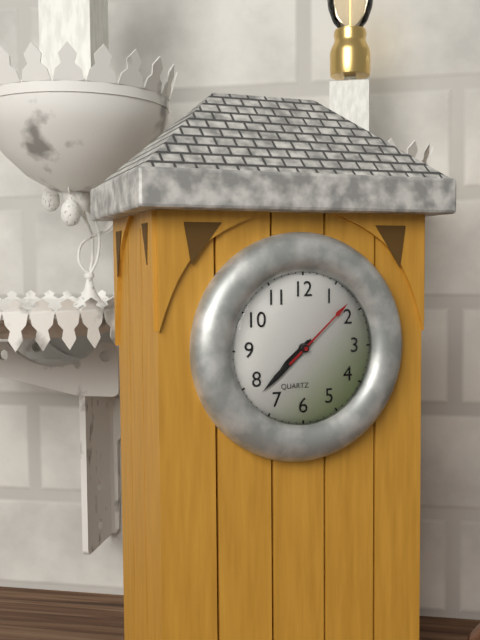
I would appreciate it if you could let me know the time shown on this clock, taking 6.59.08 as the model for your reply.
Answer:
7.38.08
